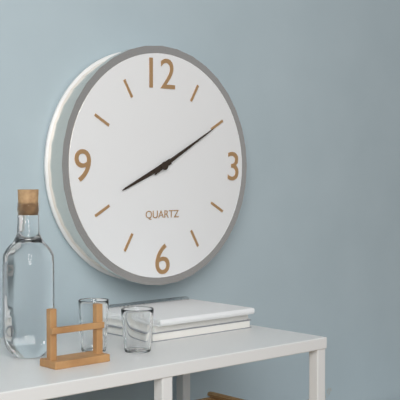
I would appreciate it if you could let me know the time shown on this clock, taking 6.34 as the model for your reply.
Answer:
8.10
